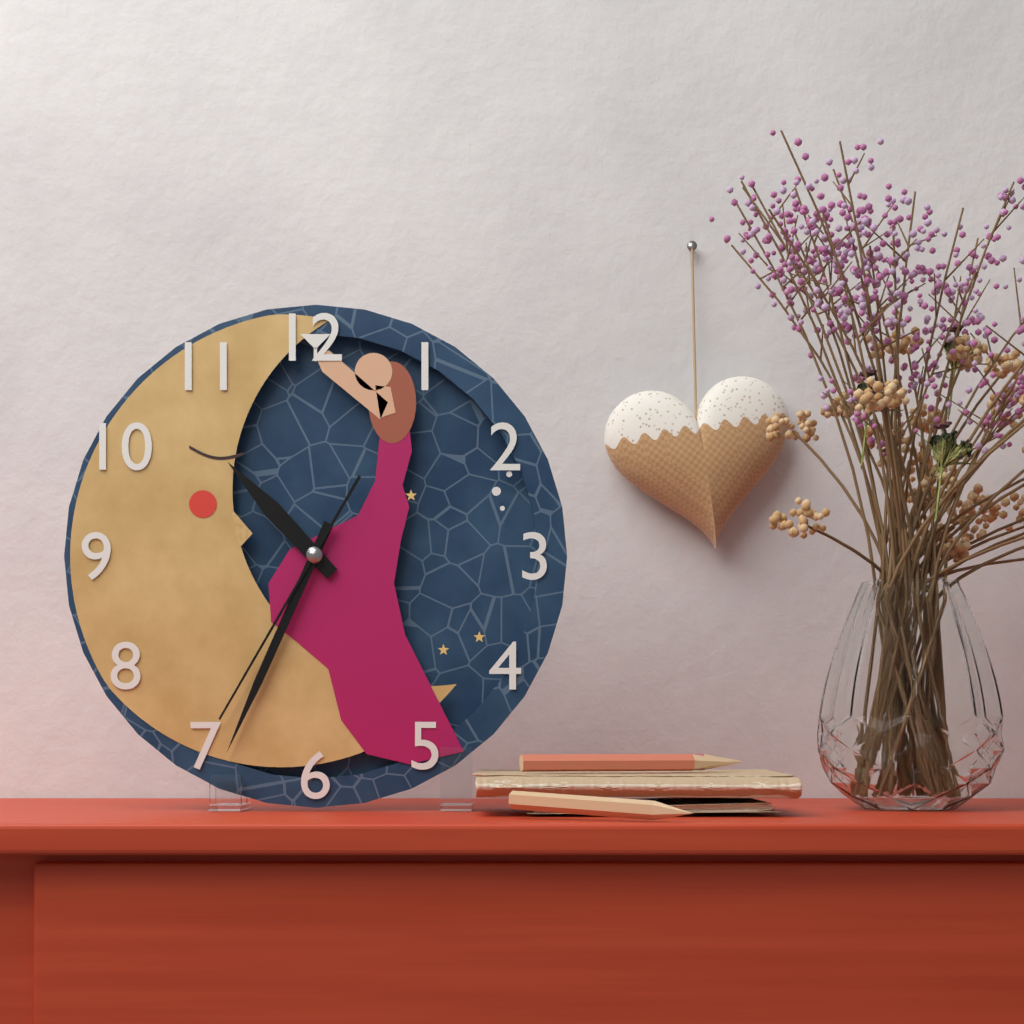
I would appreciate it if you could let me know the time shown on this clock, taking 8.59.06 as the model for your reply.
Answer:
10.34.35
